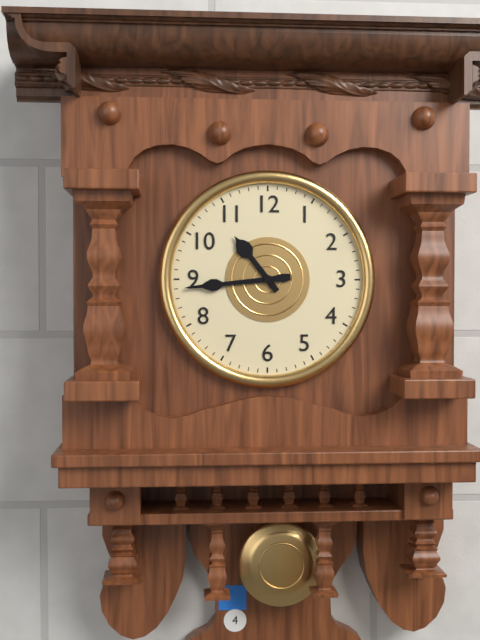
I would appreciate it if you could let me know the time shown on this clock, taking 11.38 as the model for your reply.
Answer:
10.44
